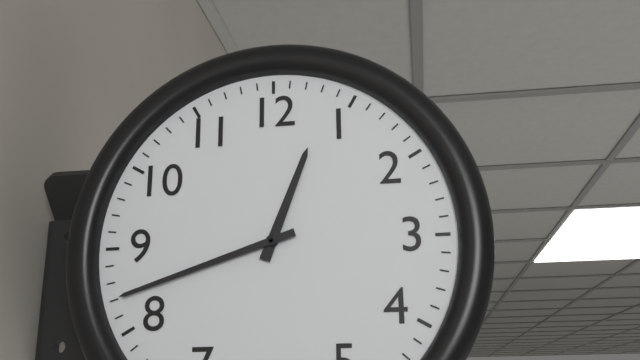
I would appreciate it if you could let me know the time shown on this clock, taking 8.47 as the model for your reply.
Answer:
12.42
